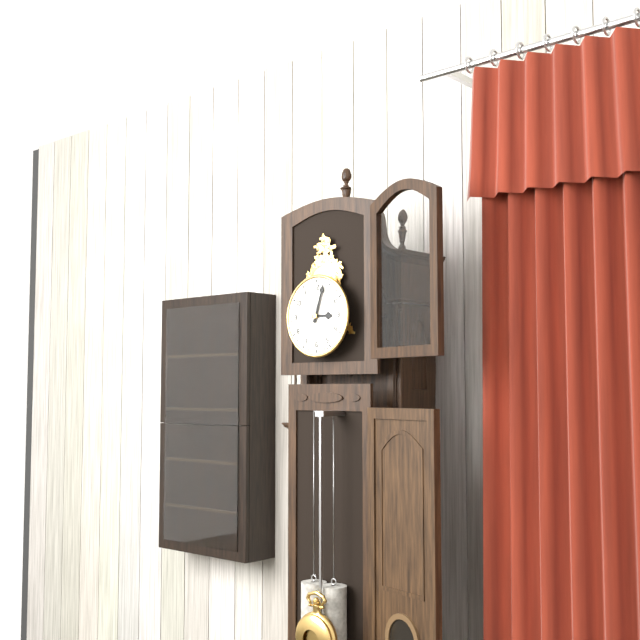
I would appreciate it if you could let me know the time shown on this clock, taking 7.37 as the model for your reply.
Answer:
3.03
